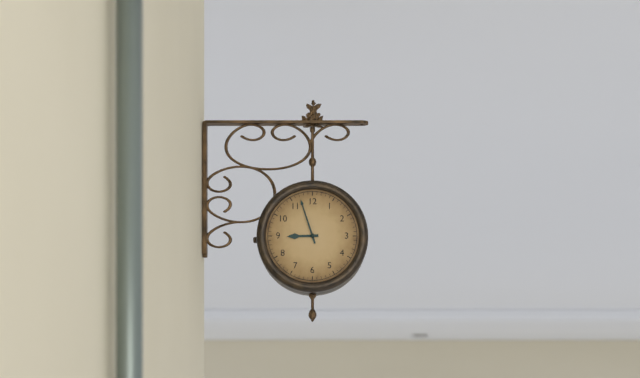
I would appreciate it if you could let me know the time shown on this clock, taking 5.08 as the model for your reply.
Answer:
8.57
